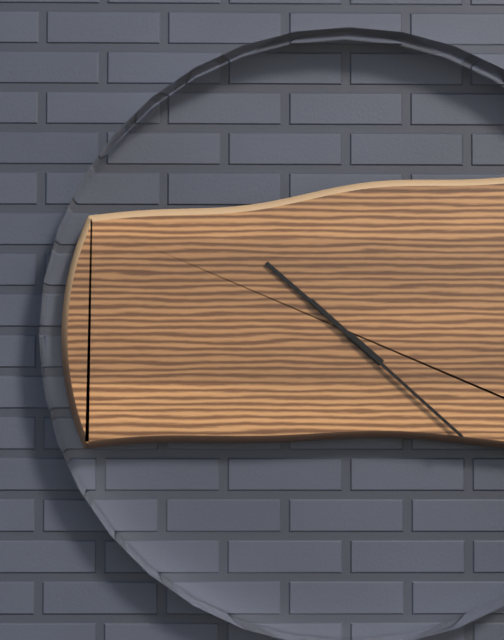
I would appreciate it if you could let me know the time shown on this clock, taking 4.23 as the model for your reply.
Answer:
10.22
